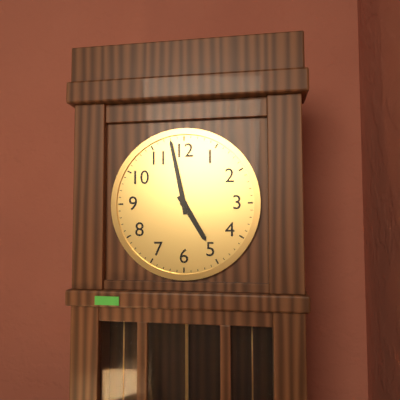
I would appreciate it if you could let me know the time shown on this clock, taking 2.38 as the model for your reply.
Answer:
4.58
